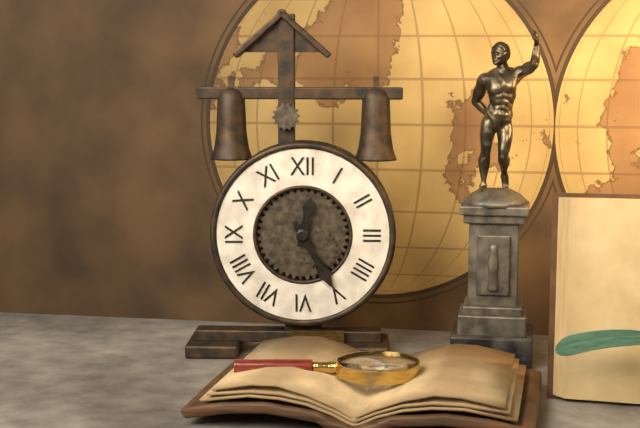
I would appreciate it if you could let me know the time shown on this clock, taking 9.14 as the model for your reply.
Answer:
12.25
